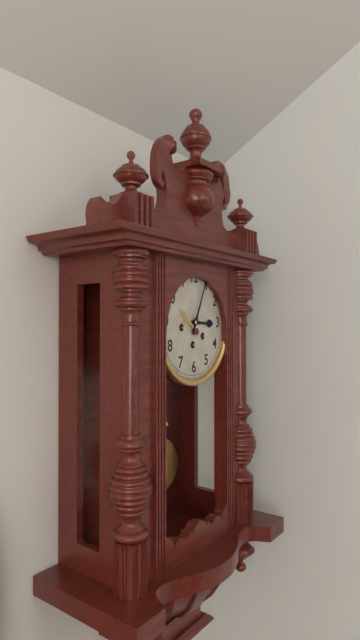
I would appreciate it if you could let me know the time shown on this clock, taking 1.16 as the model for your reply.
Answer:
3.04
